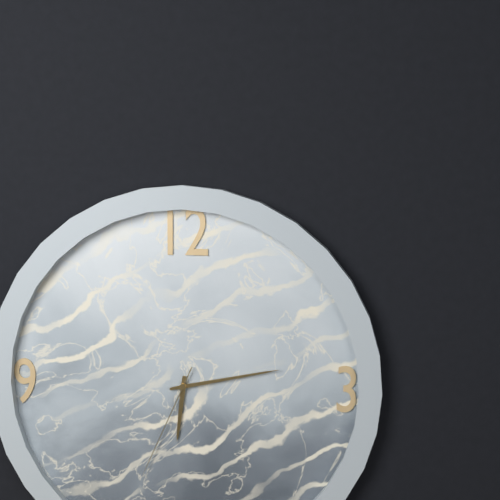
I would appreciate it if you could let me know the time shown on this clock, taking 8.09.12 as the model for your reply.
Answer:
6.13.34
